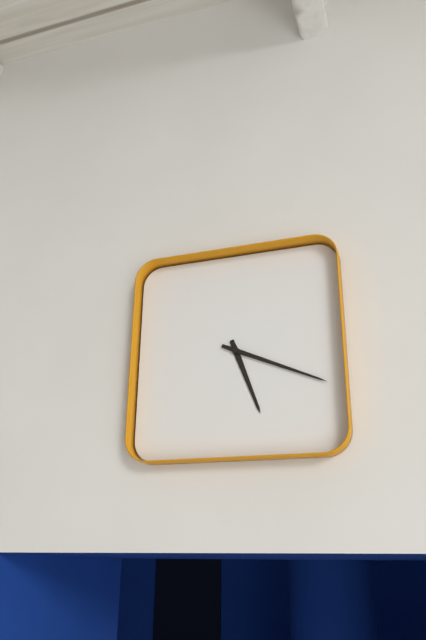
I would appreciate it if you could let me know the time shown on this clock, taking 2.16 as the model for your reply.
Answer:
5.19
